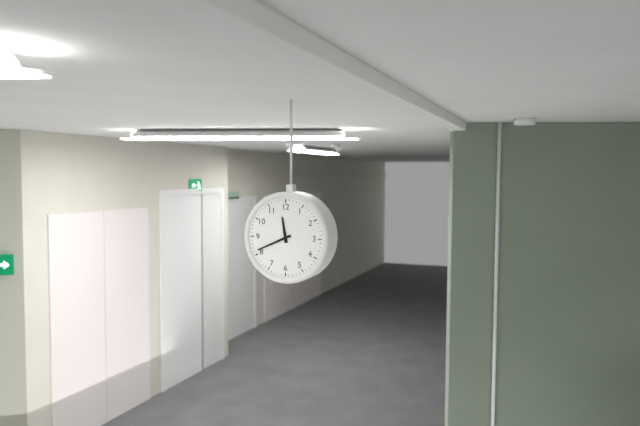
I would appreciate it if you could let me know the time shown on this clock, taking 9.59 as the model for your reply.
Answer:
11.41
